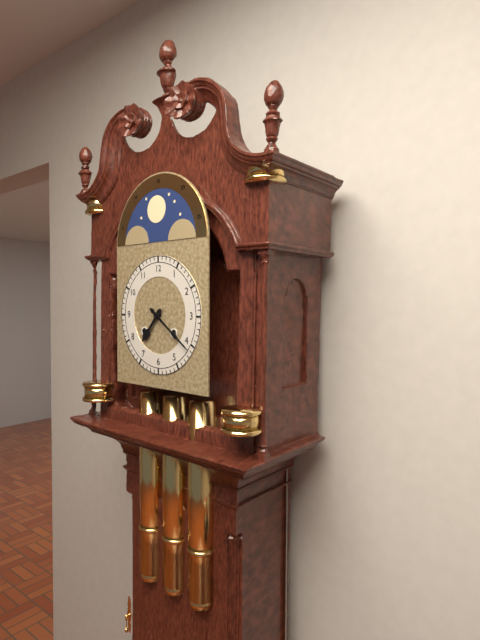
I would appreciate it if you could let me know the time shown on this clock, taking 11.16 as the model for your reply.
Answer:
7.21
